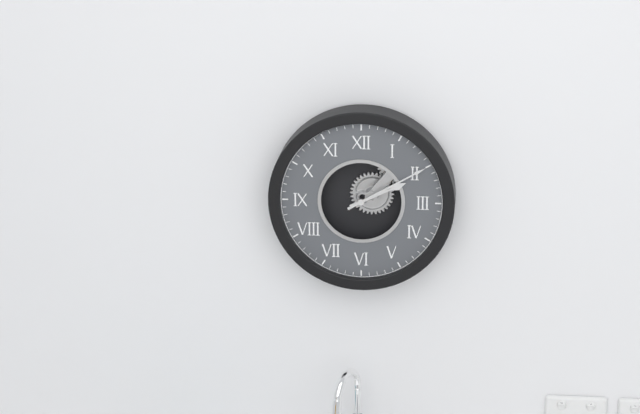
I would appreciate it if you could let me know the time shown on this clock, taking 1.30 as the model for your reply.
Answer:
2.10
